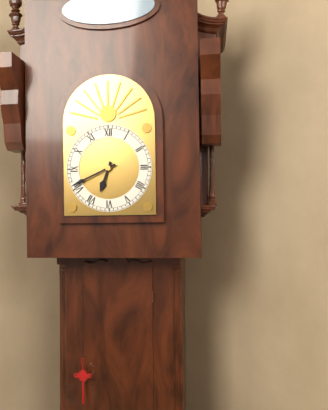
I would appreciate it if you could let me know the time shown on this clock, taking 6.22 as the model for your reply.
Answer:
6.41
